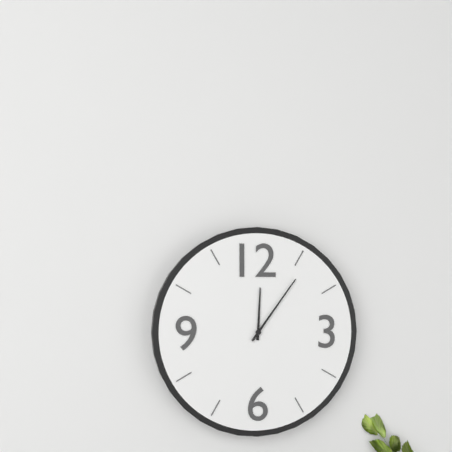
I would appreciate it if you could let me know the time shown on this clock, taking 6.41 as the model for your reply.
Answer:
12.06
